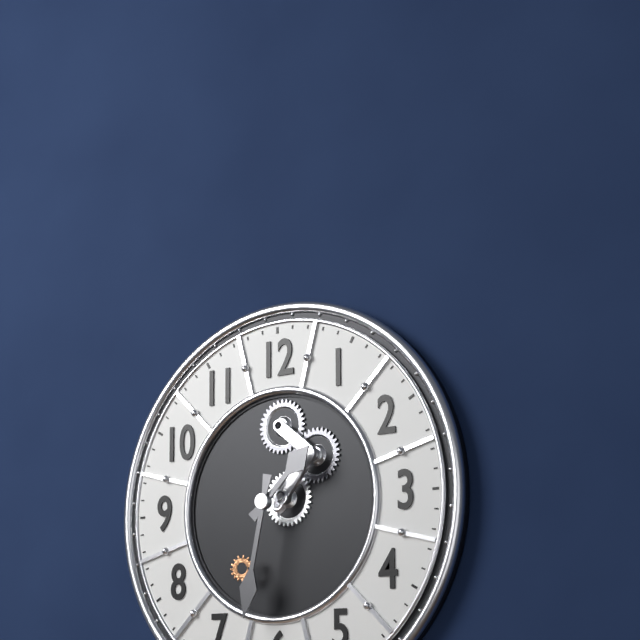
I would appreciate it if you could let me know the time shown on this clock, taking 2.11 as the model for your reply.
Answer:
1.32
